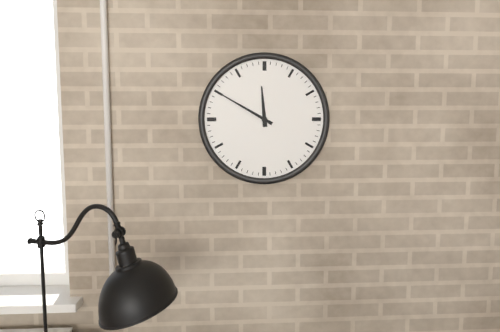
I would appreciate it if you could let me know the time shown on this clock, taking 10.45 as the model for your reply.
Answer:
11.50
